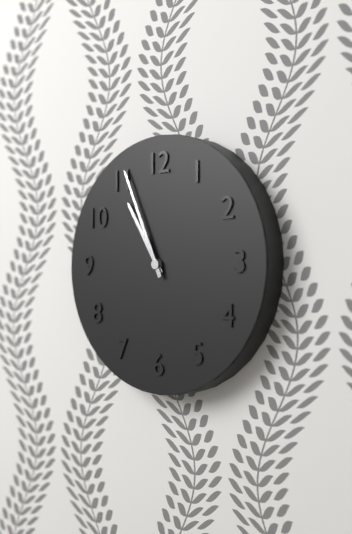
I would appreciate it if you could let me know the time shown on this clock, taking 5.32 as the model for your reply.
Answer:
10.56
